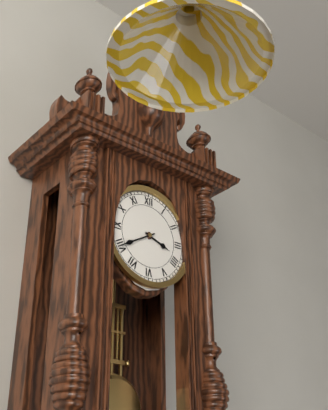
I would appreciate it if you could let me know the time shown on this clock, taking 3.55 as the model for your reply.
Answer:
3.40
